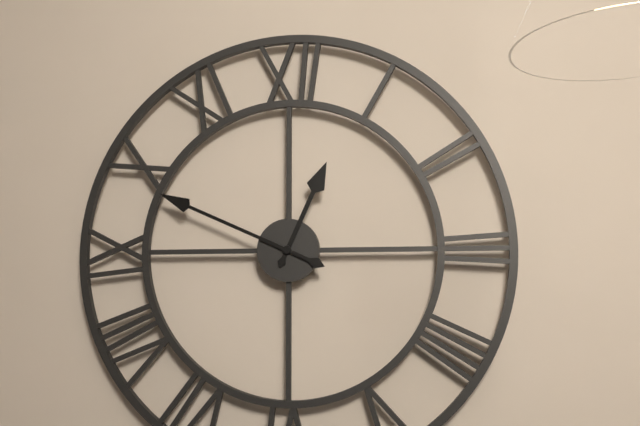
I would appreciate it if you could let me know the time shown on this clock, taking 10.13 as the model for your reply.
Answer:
12.49
